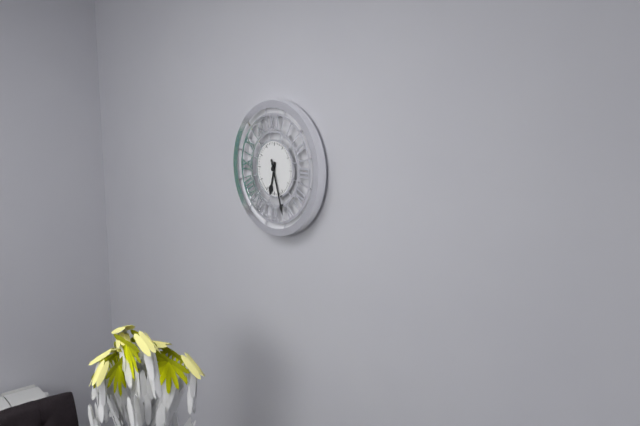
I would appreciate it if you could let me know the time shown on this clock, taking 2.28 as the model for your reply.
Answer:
6.27
